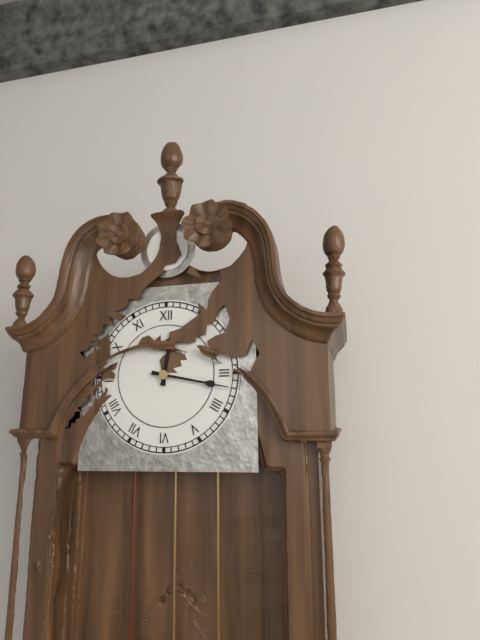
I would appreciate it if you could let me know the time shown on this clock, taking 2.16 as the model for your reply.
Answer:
12.17
